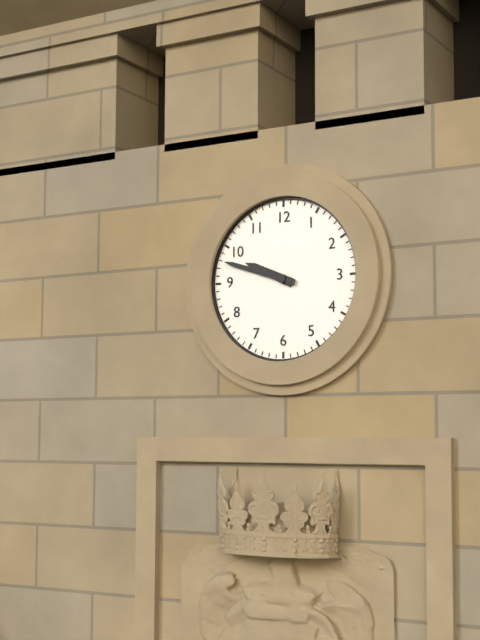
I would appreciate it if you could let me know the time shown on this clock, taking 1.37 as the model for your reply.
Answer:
9.48
